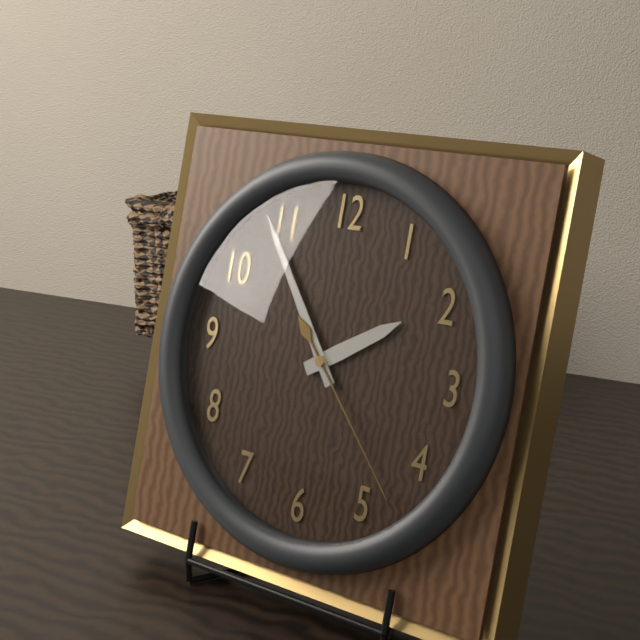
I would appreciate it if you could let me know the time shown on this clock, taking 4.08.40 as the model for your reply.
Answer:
1.54.23
